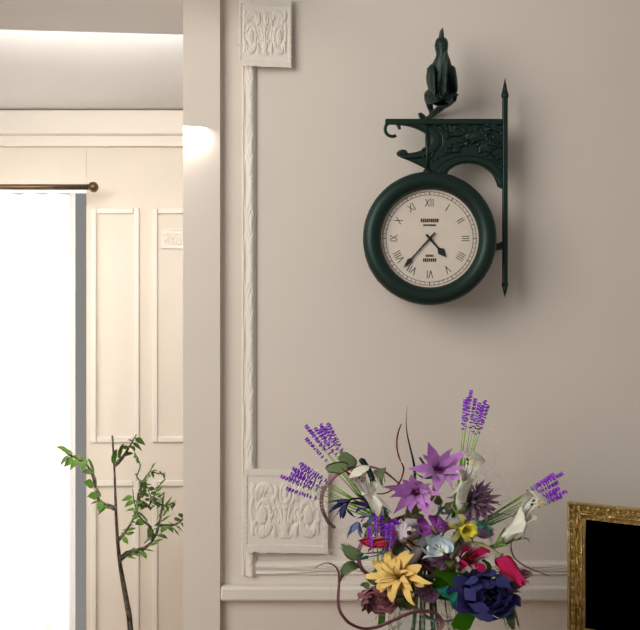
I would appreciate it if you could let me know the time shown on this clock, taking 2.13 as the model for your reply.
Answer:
4.37
